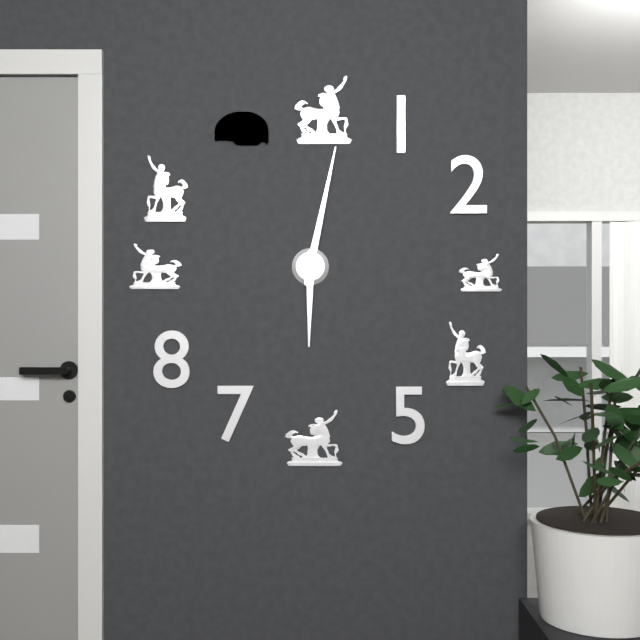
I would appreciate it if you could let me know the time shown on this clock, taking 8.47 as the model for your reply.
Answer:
6.02
